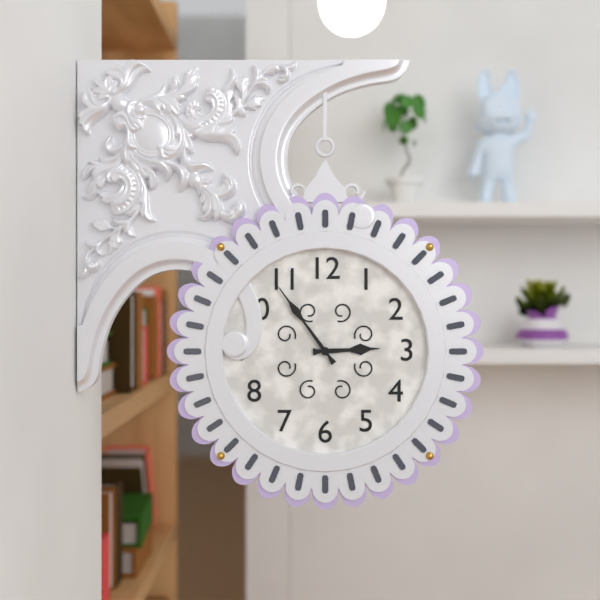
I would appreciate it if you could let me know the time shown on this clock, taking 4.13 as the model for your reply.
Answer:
2.54
